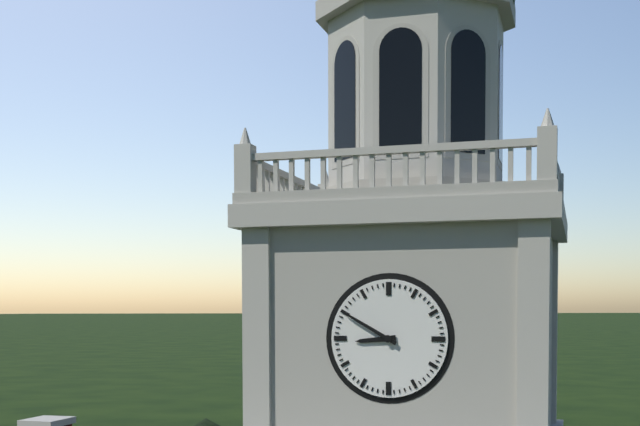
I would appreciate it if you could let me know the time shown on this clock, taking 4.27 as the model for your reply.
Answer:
8.50
